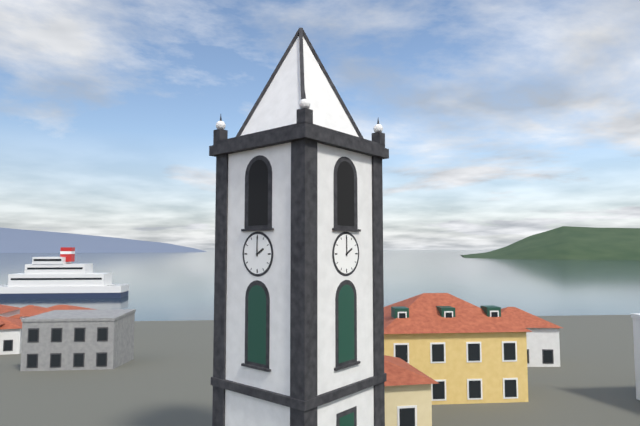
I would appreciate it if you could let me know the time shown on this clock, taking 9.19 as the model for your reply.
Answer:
2.00
